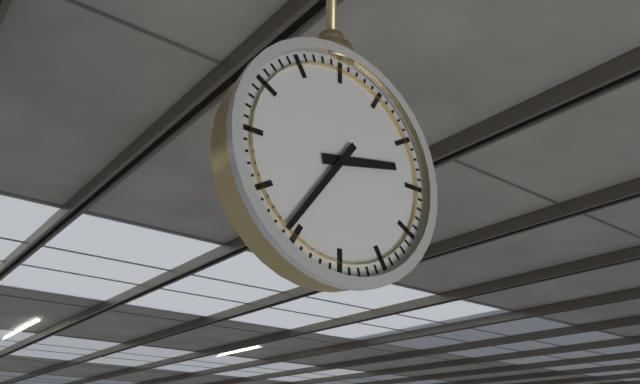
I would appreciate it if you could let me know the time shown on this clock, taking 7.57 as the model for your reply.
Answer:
2.36
